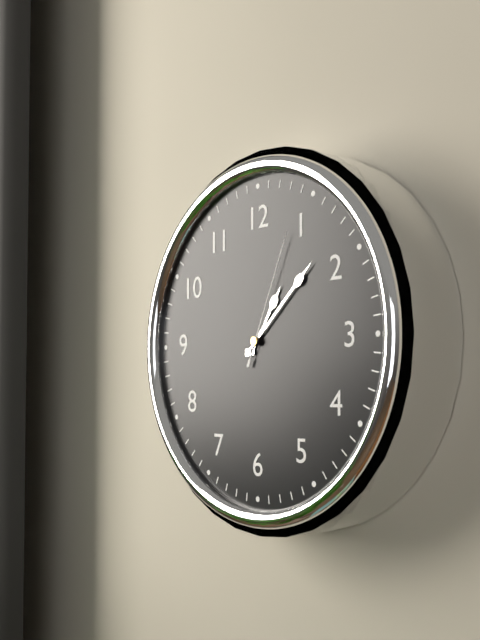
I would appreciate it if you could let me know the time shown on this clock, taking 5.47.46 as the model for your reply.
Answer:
1.08.04
